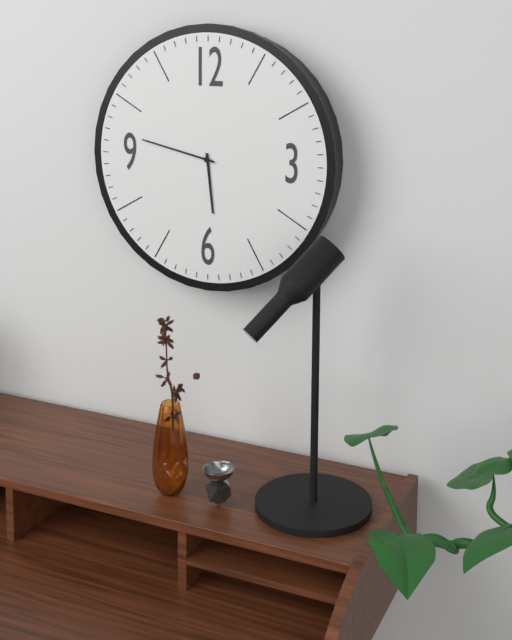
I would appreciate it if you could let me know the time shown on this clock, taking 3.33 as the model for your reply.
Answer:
5.47
